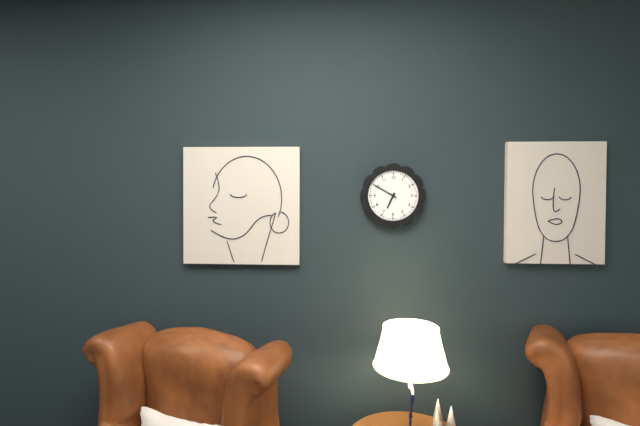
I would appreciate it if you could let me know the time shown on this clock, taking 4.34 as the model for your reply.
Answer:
6.50
